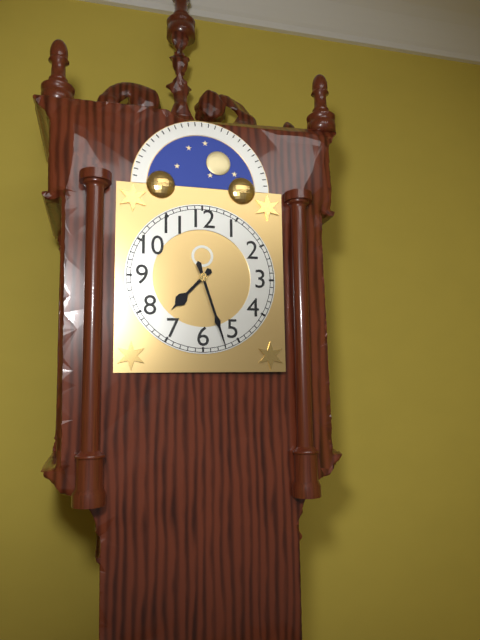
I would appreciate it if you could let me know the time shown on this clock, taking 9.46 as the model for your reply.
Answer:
7.27
